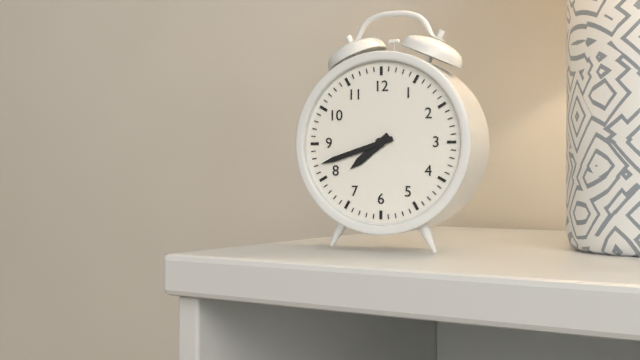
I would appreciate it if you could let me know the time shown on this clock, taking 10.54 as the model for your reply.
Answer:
7.42
